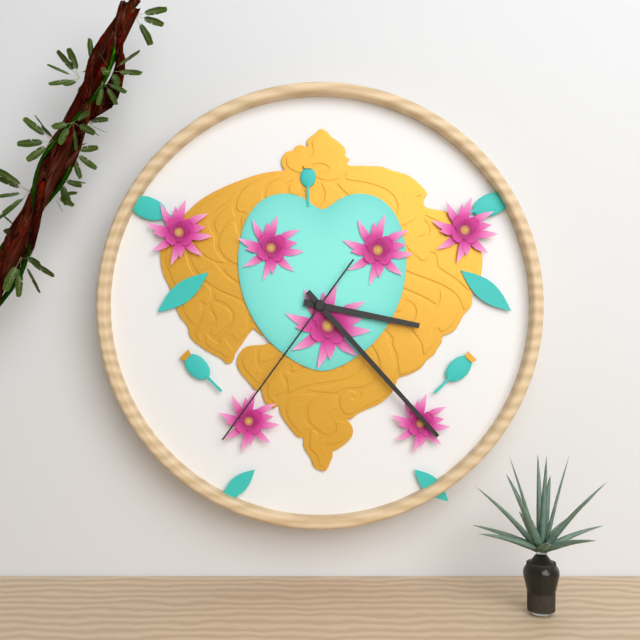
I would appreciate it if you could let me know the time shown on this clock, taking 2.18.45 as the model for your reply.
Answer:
3.23.36
